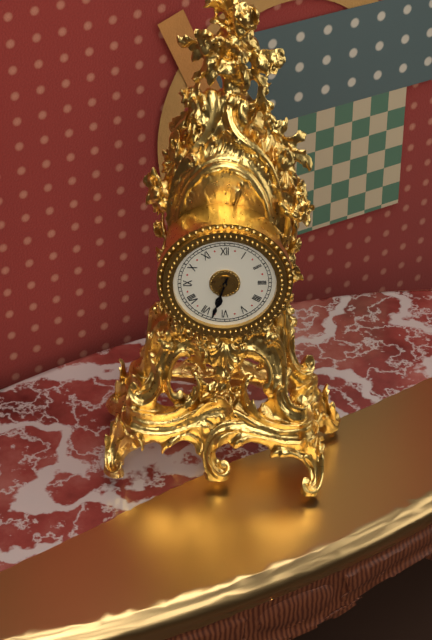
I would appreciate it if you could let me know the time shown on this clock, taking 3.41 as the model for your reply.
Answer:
6.33
